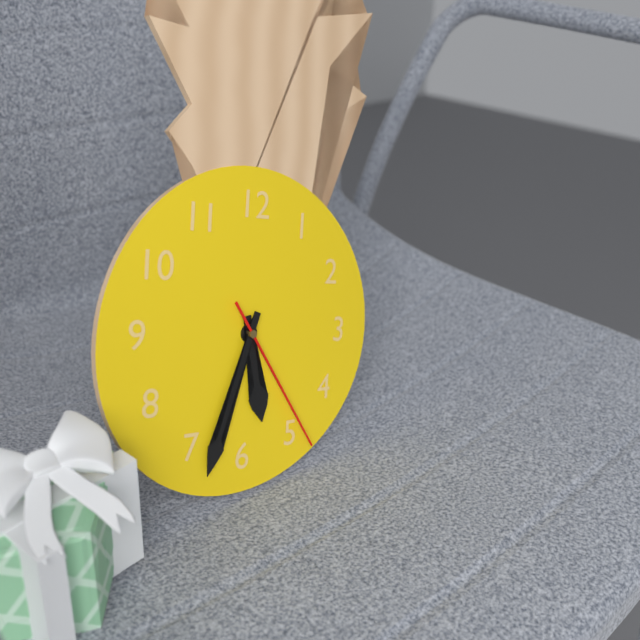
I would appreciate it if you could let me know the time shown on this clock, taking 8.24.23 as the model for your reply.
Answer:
5.33.24
